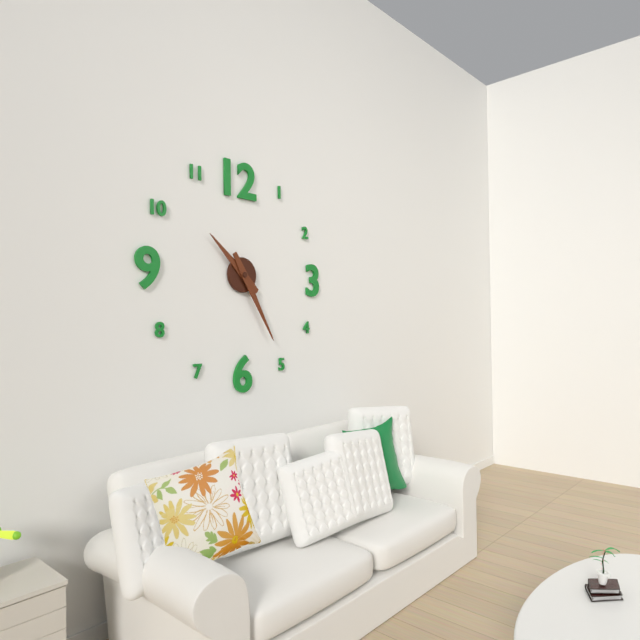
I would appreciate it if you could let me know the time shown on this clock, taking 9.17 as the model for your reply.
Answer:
10.25
